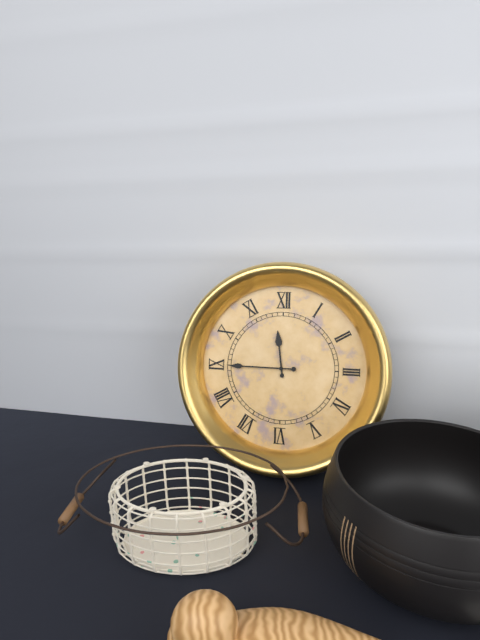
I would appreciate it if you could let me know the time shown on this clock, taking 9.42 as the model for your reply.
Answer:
11.45
